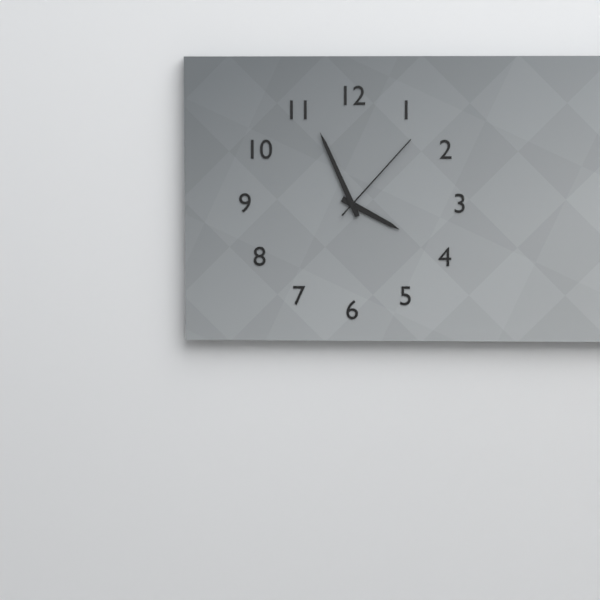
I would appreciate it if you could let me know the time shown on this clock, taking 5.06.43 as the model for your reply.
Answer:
3.56.07
